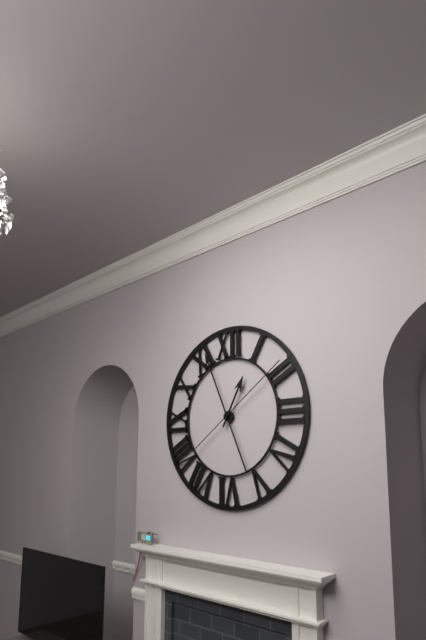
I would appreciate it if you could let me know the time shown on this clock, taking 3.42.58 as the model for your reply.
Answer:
12.56.09
